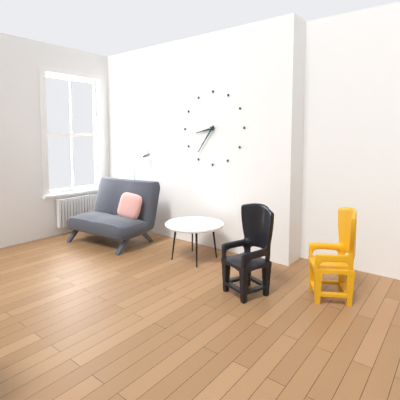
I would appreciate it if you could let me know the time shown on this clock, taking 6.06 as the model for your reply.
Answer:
8.36
